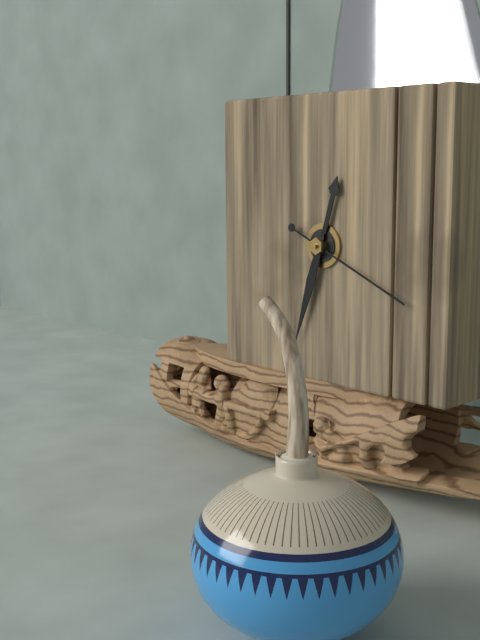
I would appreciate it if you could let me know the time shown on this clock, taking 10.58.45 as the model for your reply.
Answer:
12.33.19
